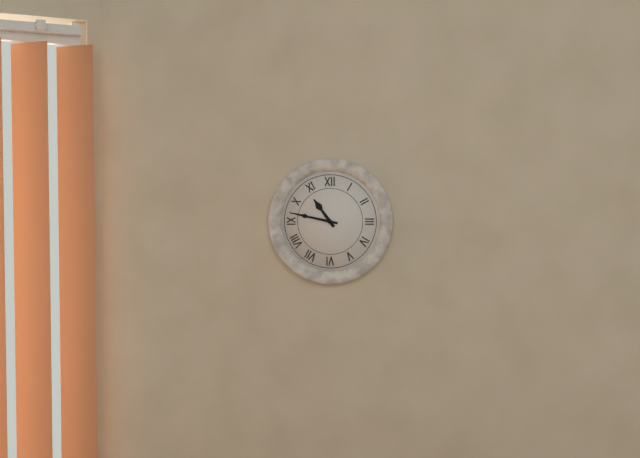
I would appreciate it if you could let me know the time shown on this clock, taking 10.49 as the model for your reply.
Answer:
10.47
